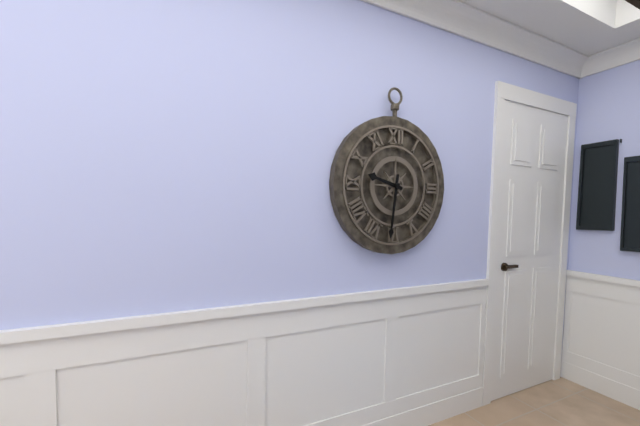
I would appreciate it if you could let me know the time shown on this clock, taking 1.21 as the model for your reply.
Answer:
9.31
